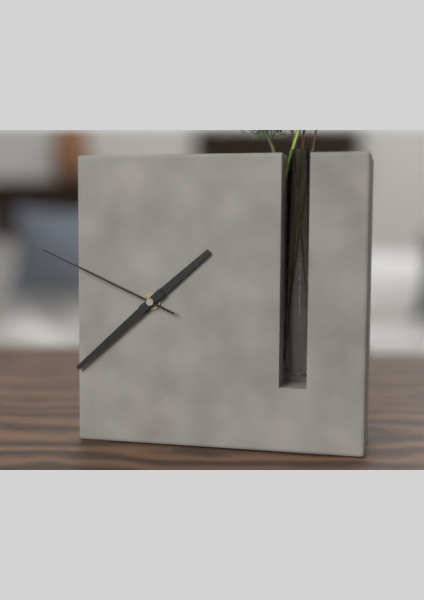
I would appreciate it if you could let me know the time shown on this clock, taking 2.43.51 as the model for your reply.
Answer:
1.38.49
